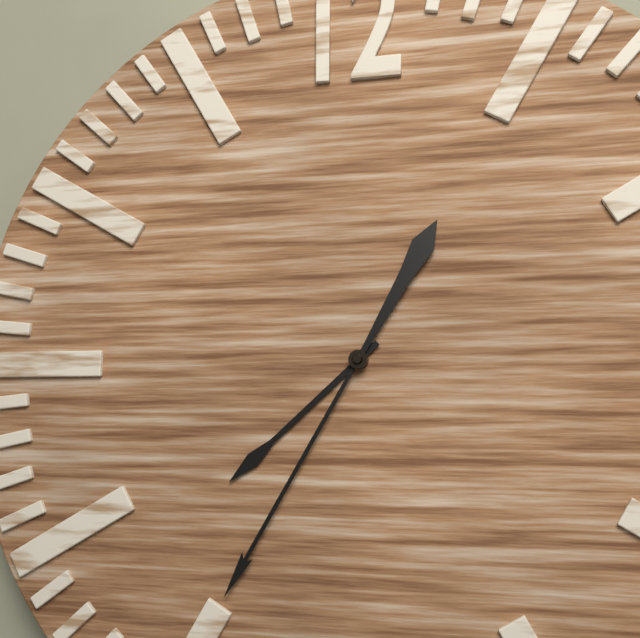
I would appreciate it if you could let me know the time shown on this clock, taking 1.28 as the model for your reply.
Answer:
7.35
